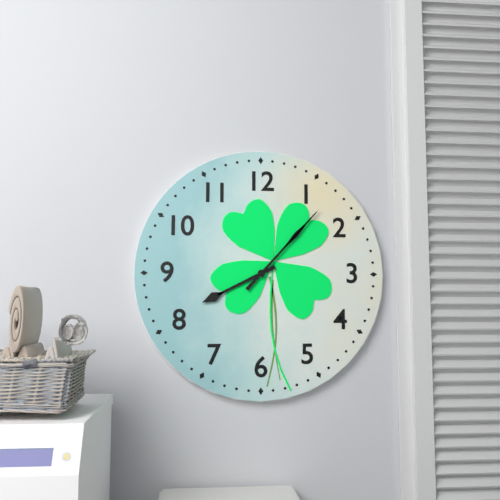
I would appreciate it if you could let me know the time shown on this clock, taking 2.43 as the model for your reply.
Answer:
8.07
